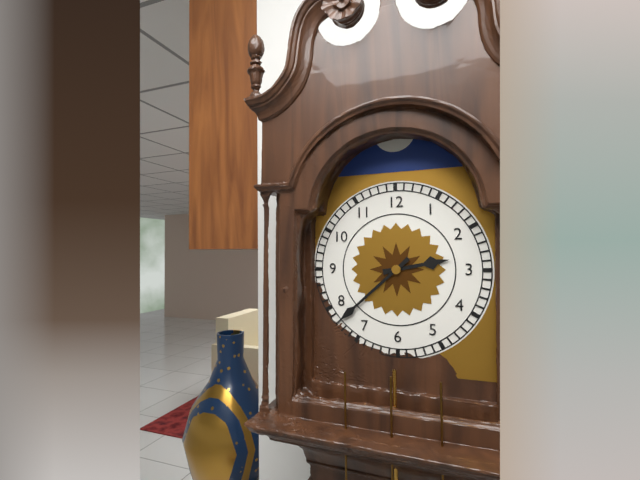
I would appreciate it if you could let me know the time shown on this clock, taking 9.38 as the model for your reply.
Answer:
2.38
